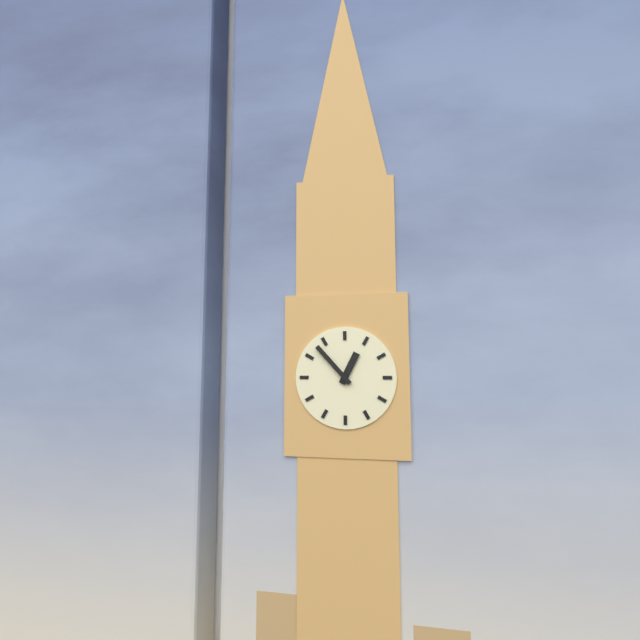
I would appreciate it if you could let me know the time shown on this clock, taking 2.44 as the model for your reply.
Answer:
12.53
